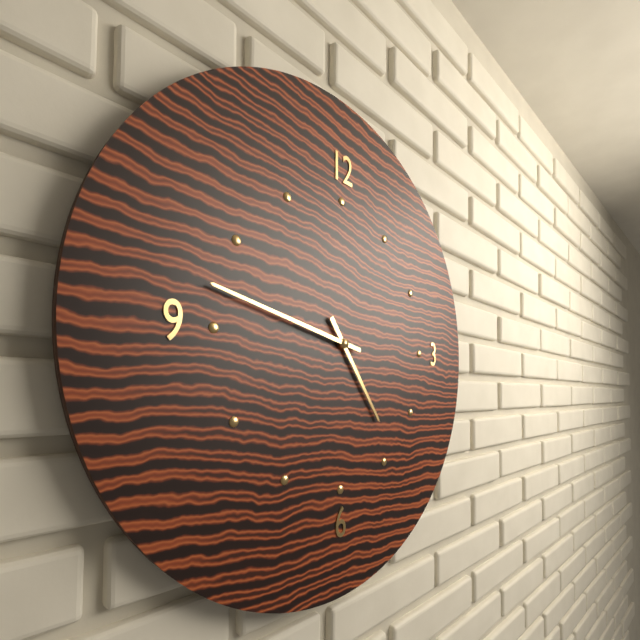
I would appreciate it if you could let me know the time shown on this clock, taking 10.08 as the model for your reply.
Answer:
4.47
